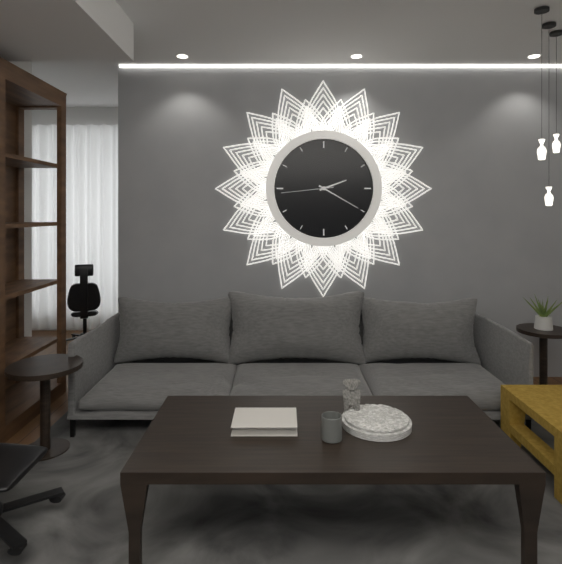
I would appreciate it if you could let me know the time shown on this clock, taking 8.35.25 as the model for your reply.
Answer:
2.20.44
